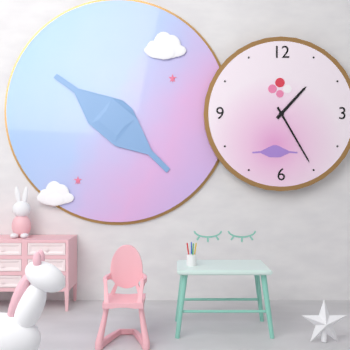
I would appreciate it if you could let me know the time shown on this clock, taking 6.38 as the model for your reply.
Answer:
1.25
